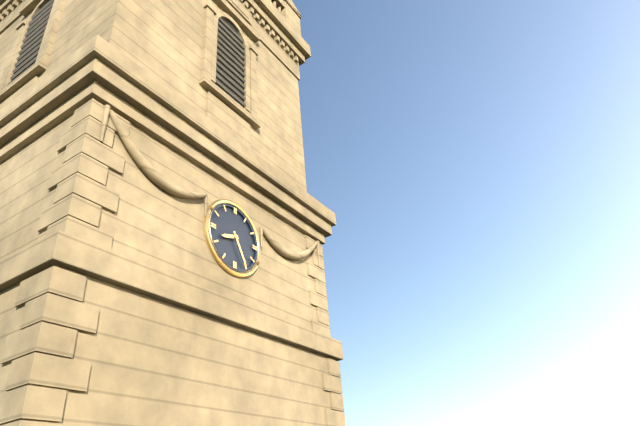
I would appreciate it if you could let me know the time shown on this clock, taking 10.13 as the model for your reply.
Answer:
8.25
